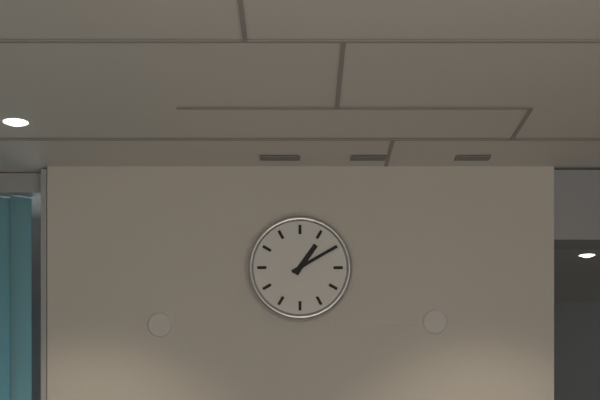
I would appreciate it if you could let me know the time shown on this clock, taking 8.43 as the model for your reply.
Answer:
1.10
